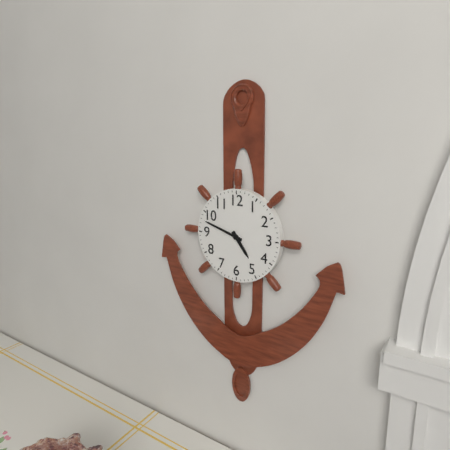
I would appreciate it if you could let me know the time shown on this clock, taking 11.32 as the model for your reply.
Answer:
4.48
